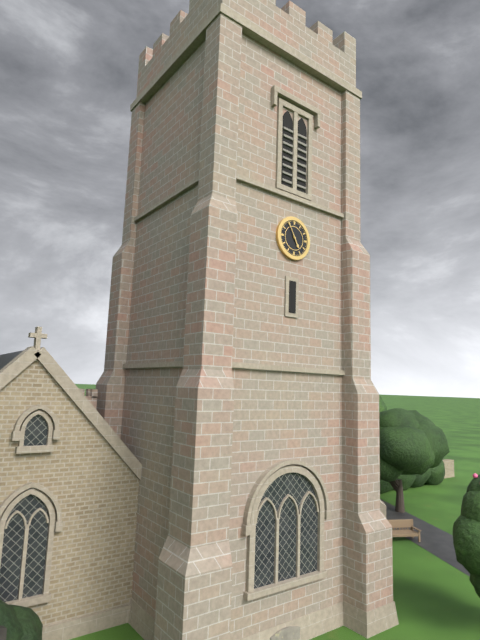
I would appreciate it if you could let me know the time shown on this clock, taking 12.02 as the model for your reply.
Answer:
4.55
